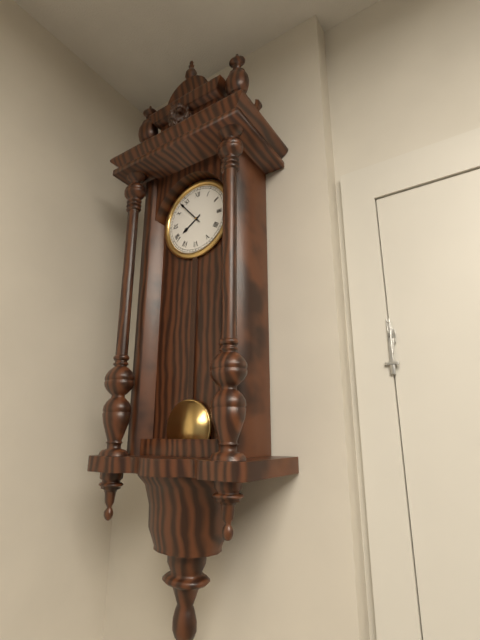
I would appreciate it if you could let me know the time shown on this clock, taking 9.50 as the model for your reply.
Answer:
7.53
